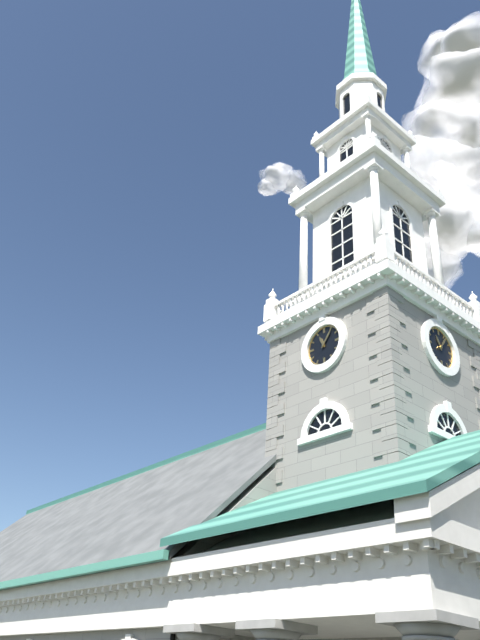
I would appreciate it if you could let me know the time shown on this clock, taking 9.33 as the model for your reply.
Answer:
11.06
